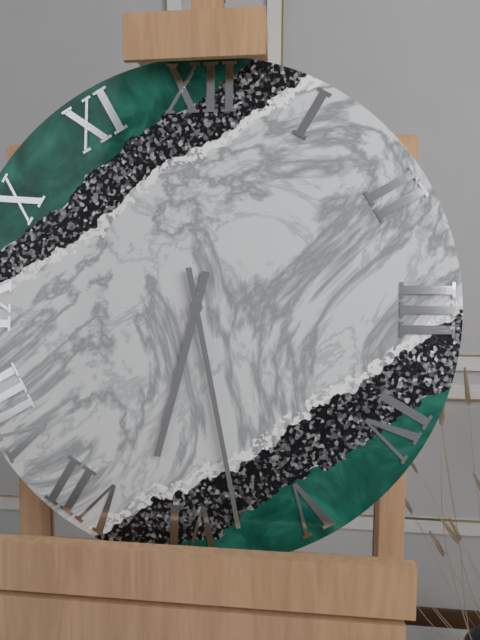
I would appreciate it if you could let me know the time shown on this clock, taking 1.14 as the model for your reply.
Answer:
6.28
